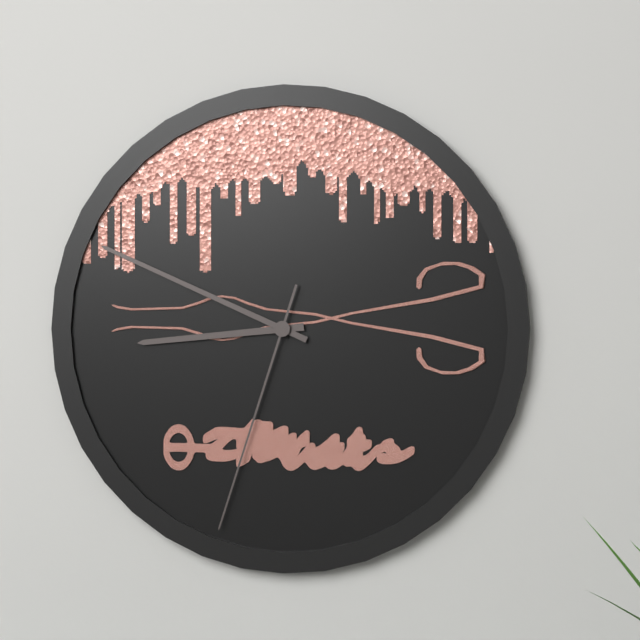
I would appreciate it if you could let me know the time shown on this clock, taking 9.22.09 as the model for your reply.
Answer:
8.49.33
